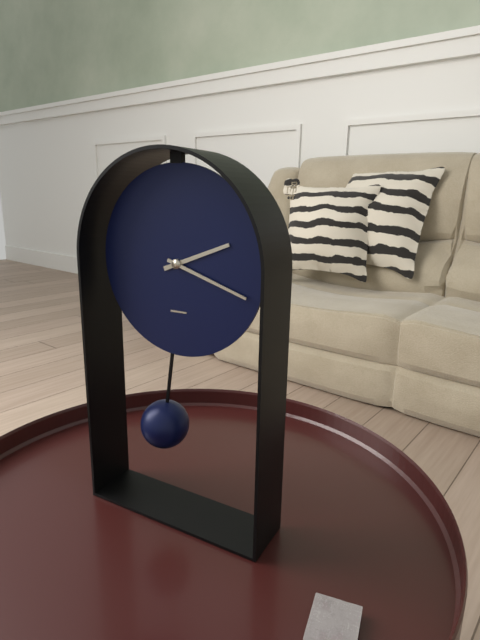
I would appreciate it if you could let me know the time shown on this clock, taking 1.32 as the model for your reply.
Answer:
2.18
